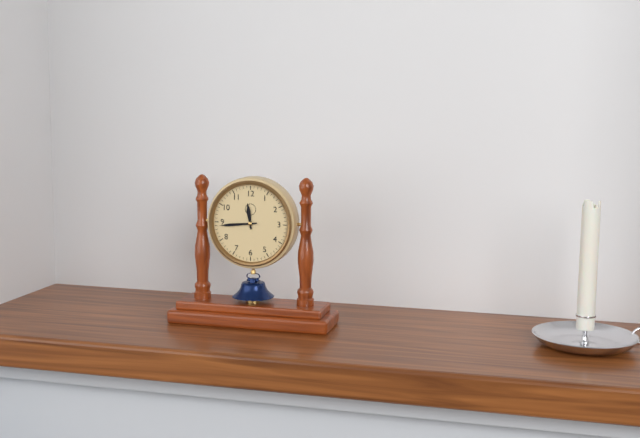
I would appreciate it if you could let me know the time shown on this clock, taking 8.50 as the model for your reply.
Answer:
11.44
